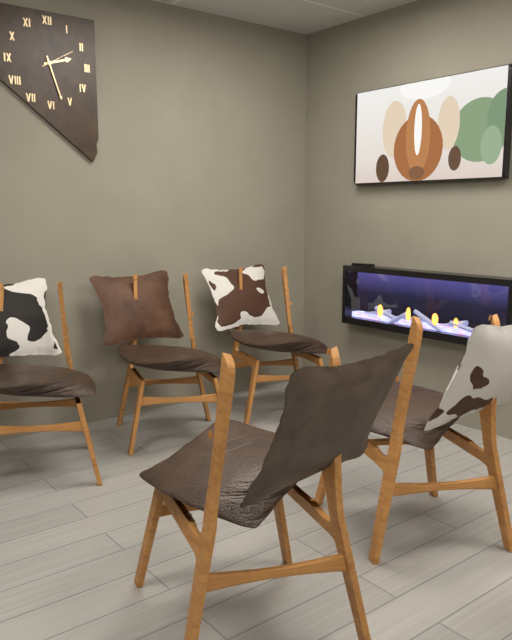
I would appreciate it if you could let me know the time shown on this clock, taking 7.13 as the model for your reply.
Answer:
2.27
